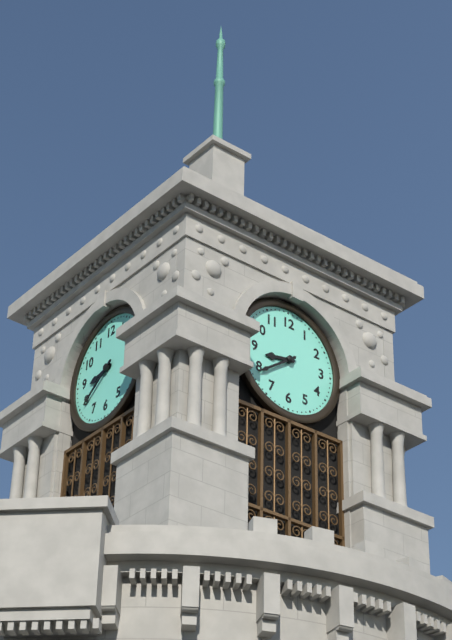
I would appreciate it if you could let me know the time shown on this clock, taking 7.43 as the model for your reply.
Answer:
8.39
